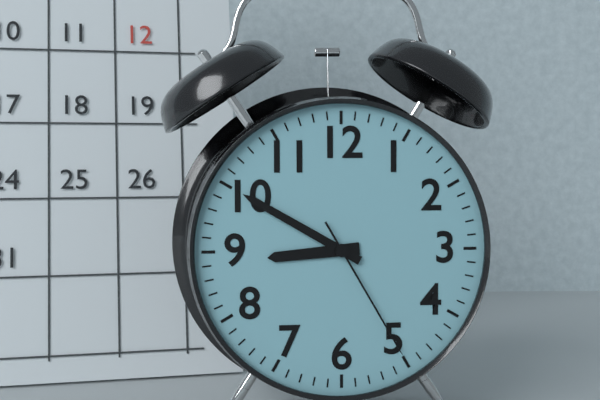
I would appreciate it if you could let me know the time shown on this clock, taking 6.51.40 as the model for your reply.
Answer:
8.50.25
